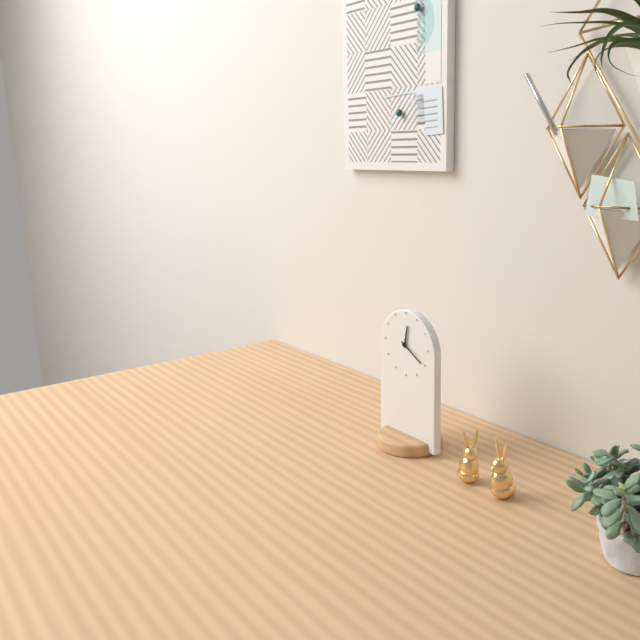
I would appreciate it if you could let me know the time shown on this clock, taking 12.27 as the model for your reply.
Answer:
12.20
